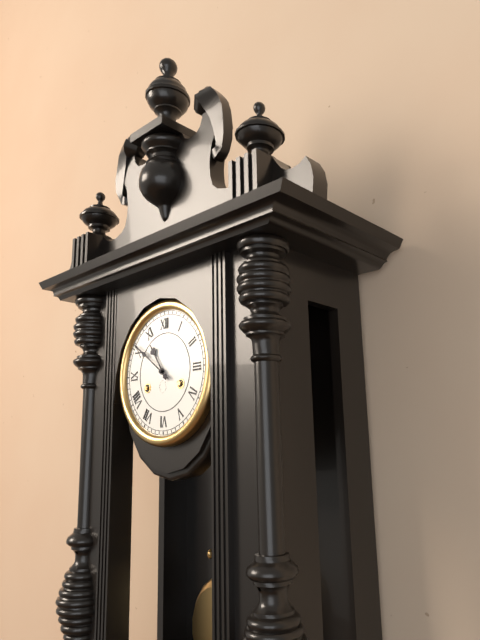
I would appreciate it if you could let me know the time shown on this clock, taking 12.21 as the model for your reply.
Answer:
10.51
